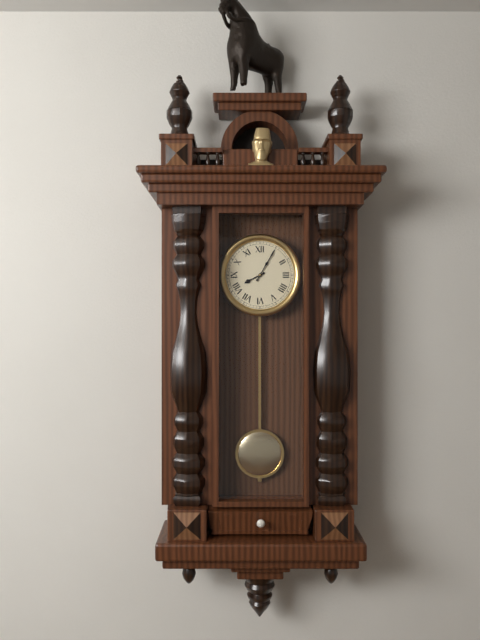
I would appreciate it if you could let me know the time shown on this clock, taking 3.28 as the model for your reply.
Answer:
8.05
